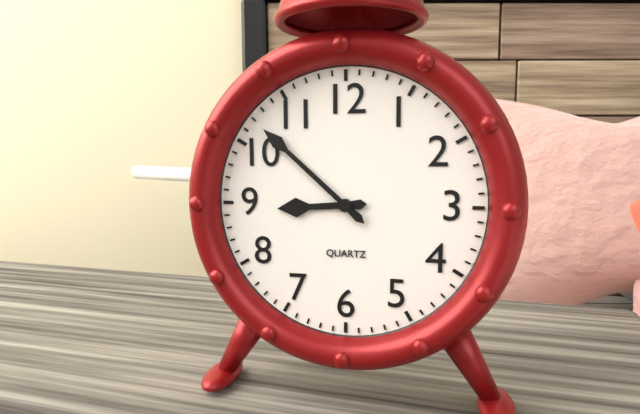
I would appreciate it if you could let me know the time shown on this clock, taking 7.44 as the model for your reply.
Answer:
8.52
